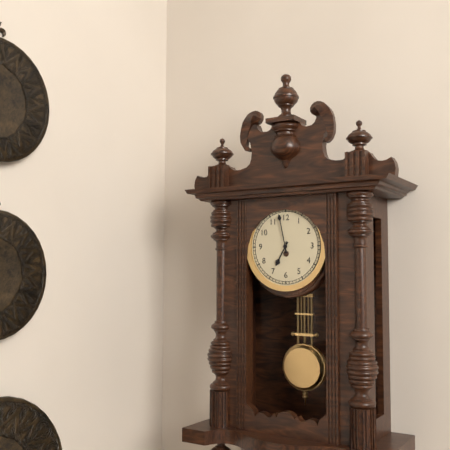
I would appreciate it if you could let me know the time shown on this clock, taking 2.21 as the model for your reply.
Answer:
6.58
